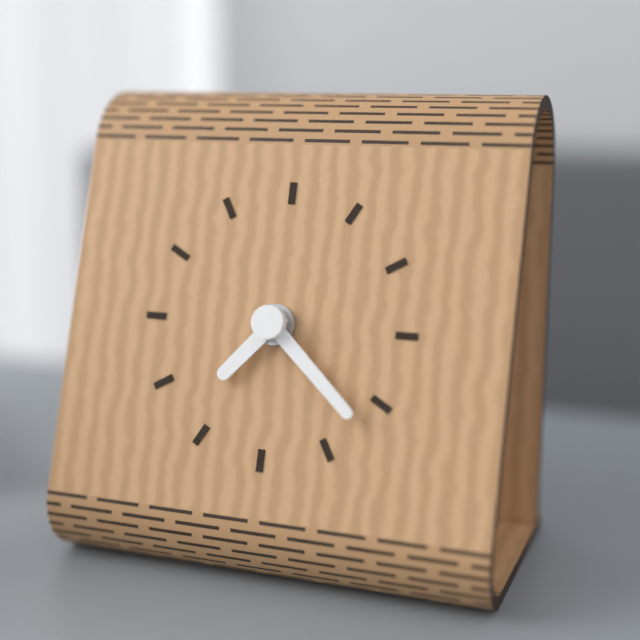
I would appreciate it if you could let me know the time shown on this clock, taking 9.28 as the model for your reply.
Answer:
7.22
